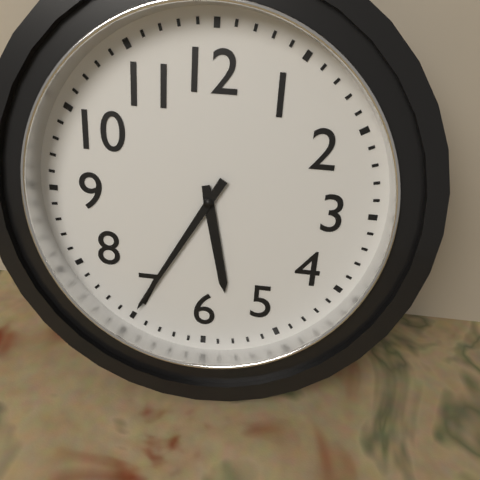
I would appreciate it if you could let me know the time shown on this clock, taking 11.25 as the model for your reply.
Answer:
5.35
